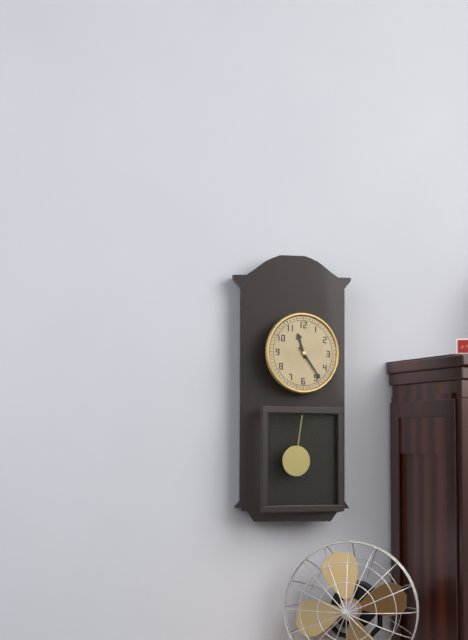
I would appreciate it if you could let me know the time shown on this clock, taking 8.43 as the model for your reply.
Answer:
11.24
